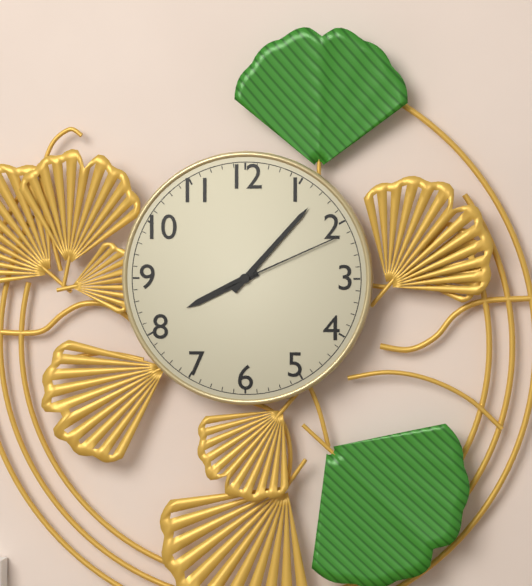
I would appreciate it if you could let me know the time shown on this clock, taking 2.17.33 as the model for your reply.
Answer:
8.07.11
